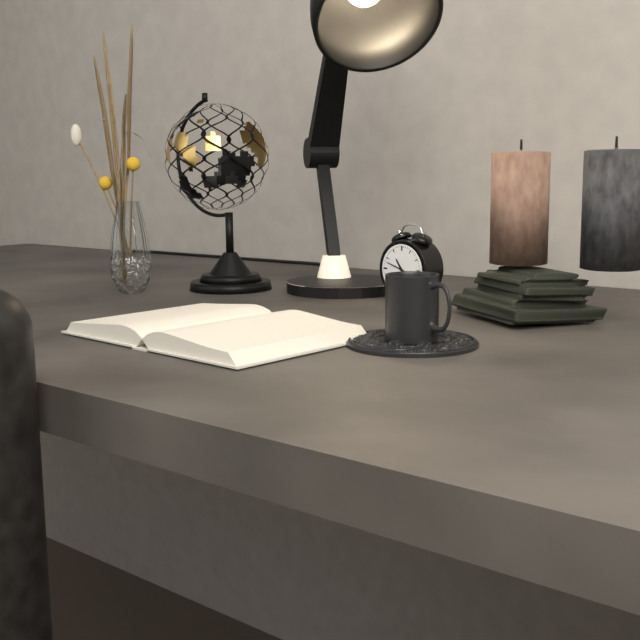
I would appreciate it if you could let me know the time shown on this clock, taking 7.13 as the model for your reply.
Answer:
10.48
